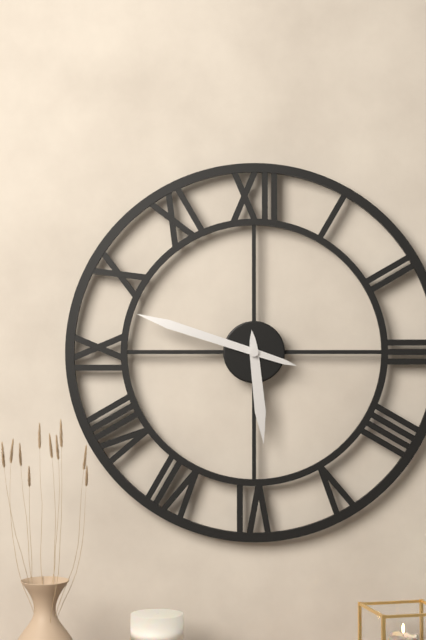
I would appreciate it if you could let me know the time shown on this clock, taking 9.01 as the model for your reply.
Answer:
5.48
